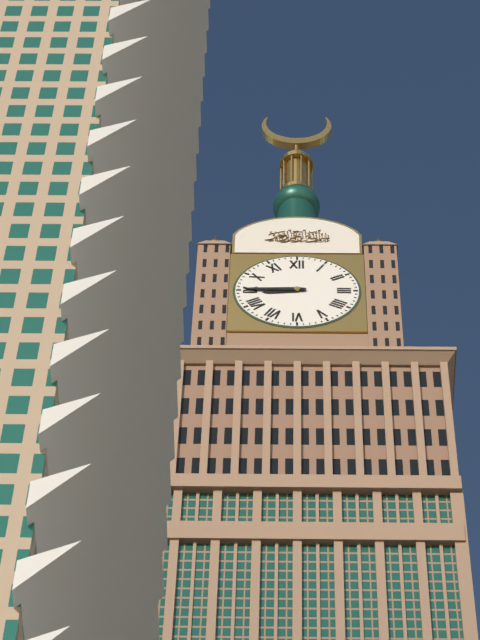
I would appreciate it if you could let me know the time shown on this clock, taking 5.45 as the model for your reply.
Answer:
8.45
